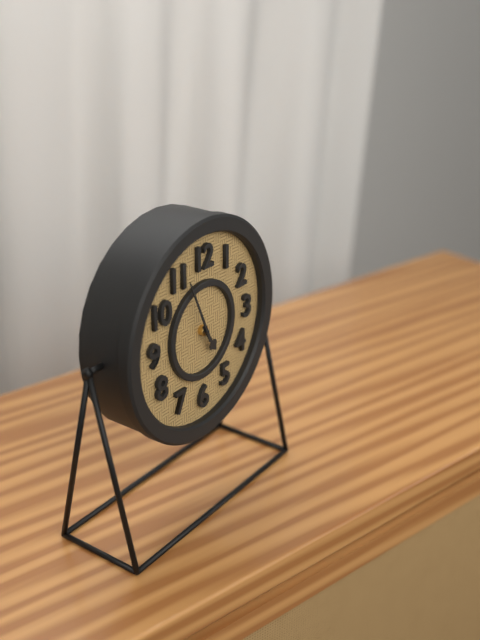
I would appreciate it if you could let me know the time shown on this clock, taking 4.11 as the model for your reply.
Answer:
4.56
